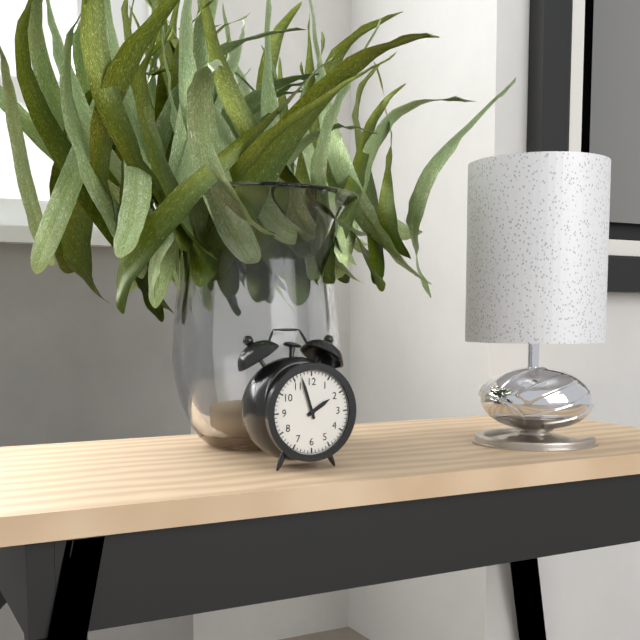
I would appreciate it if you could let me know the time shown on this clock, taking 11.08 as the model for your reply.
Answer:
1.57
